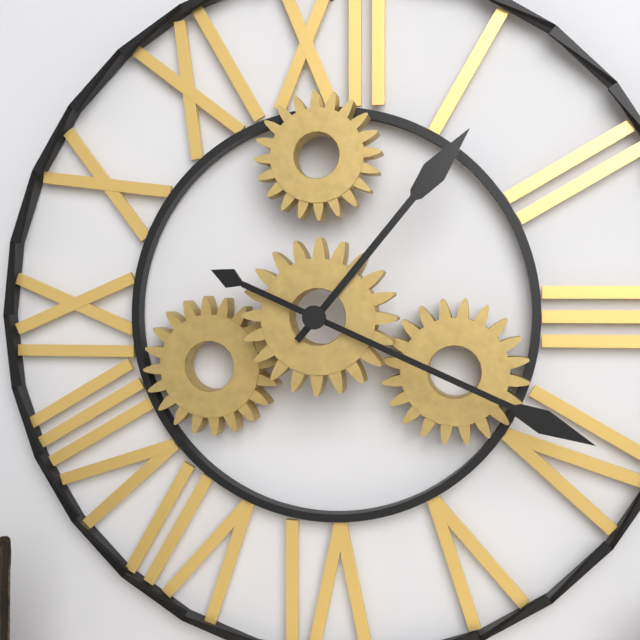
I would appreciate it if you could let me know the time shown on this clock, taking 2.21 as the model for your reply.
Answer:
1.19
